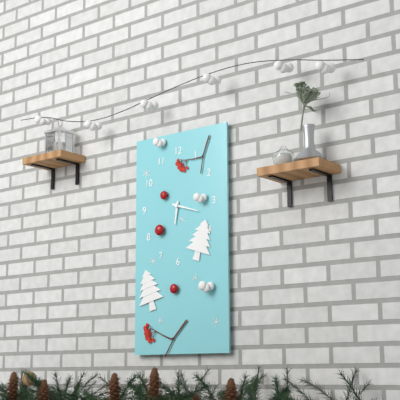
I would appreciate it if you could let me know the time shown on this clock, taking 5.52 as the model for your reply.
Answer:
6.18
